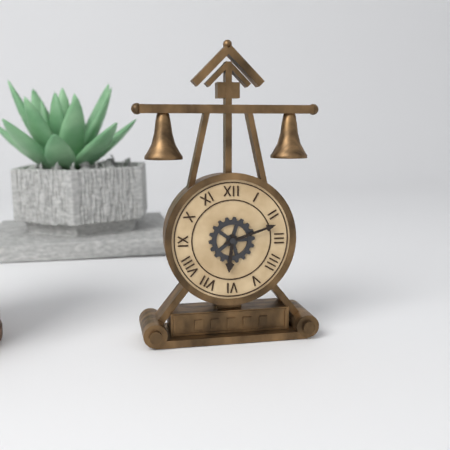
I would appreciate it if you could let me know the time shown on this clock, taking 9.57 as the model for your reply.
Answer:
6.12
